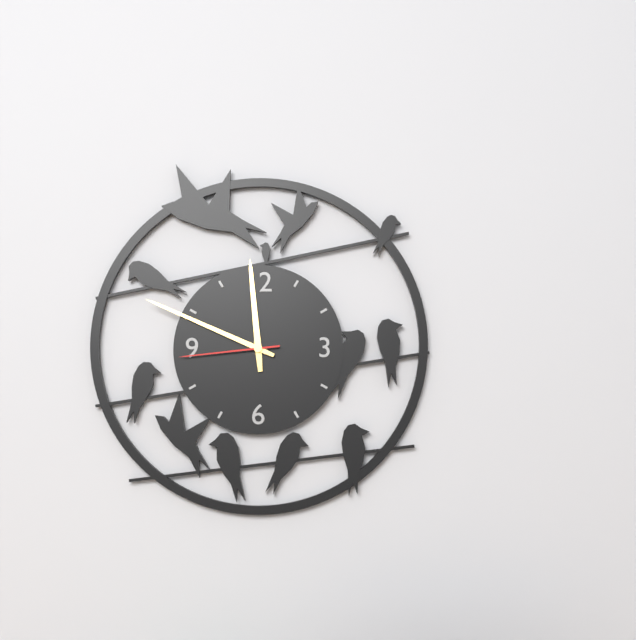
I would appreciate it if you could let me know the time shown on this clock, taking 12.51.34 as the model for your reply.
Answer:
11.49.44
